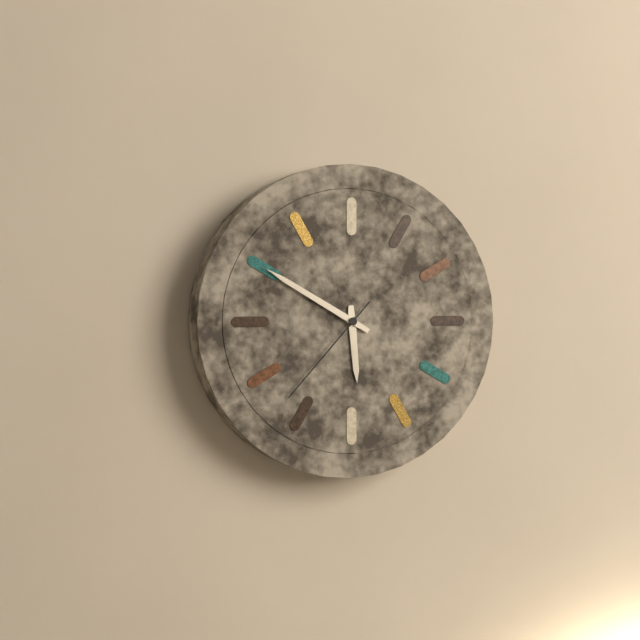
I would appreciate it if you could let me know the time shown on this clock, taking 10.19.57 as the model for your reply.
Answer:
5.50.37
